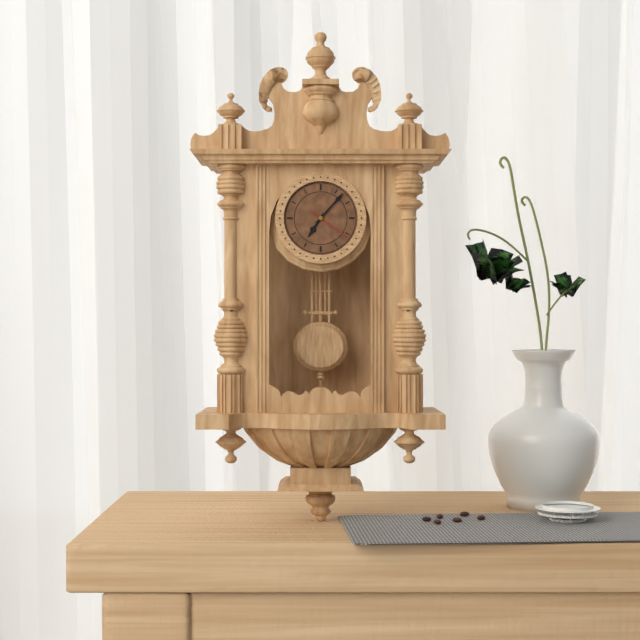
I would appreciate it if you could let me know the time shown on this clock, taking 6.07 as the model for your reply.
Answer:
7.07
